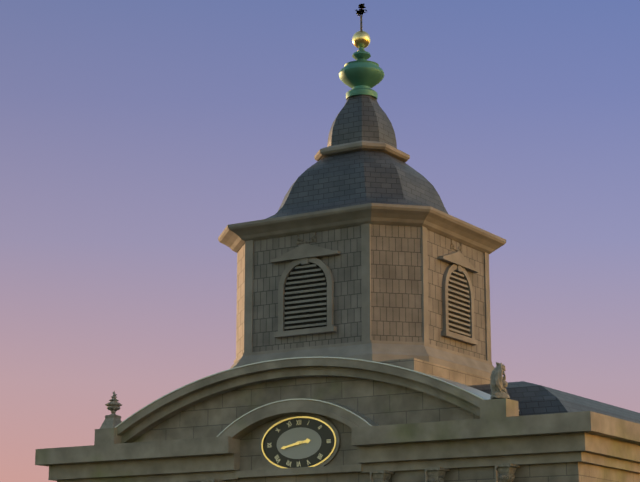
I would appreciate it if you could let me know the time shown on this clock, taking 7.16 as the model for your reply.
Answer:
2.43
